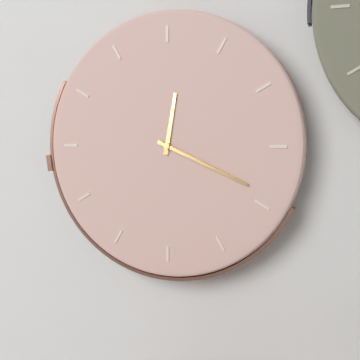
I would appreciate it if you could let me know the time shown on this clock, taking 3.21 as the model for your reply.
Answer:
12.19
